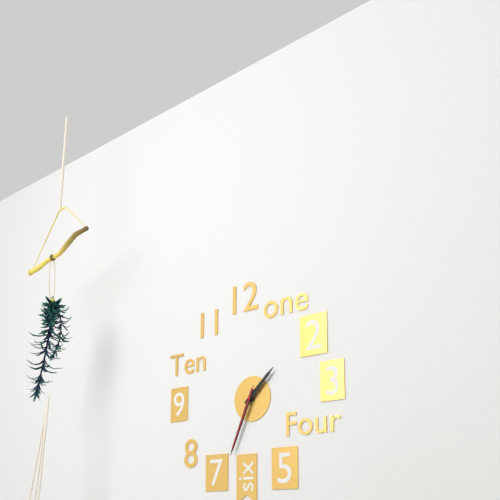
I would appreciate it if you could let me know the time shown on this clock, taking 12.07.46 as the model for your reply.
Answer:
1.34.34
